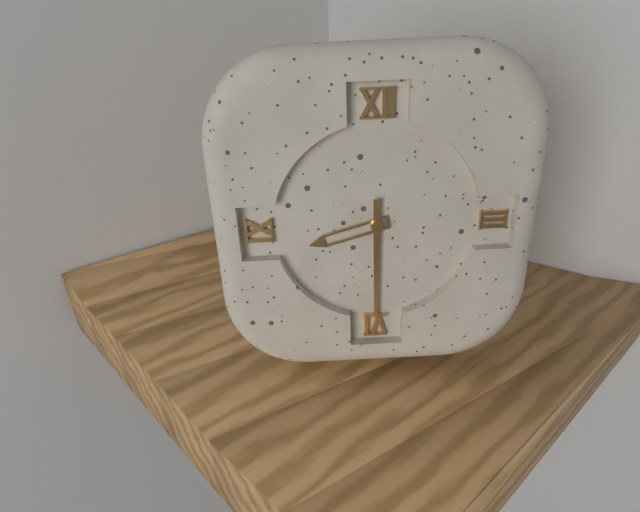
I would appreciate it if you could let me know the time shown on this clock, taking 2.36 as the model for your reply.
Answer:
8.30
